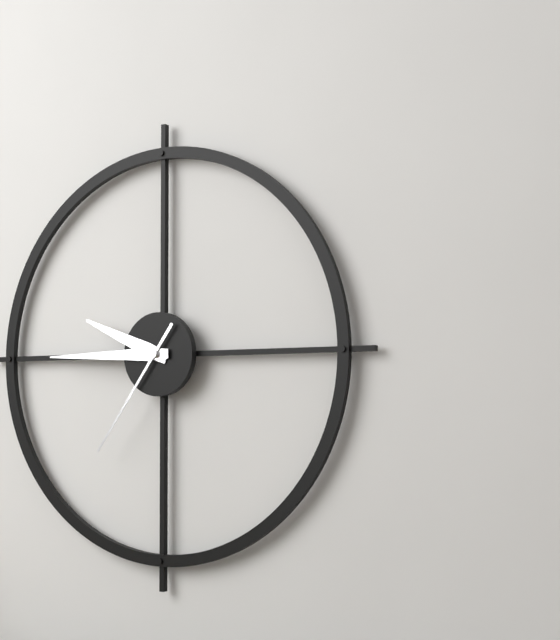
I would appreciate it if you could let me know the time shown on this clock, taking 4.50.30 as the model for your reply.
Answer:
9.45.36
